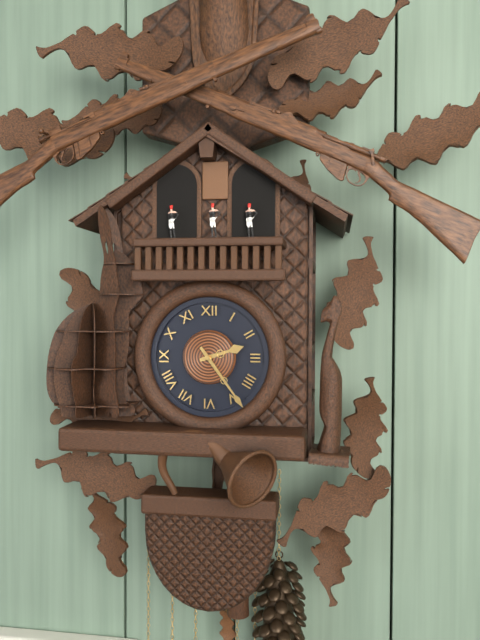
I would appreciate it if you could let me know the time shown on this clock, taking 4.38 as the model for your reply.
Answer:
2.24
